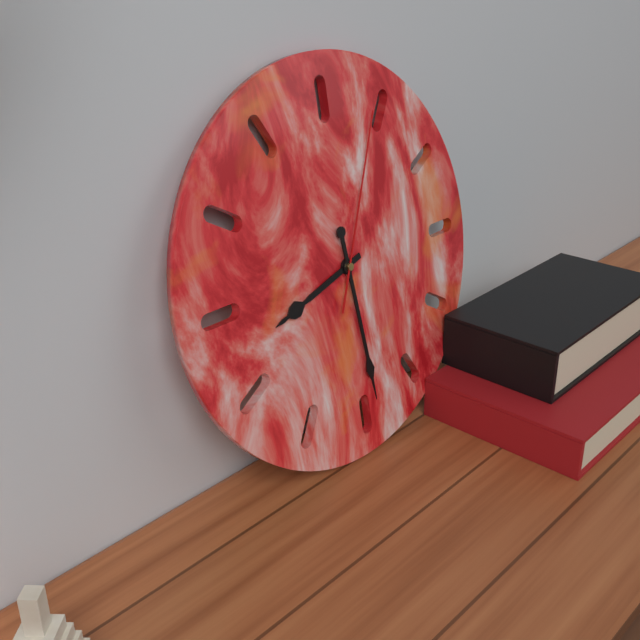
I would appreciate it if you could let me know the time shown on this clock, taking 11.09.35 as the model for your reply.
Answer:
8.29.04
